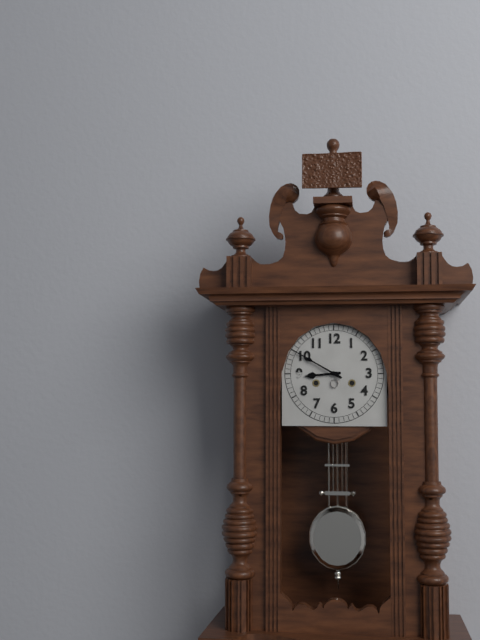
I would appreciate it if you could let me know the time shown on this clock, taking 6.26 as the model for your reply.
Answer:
8.50
